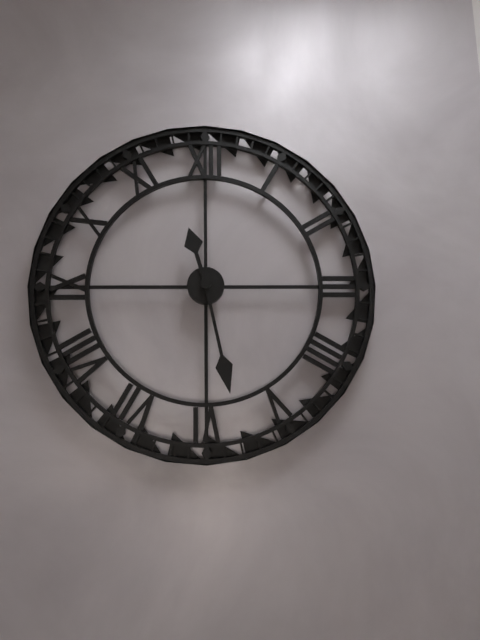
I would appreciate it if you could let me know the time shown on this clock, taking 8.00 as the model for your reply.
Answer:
11.28
